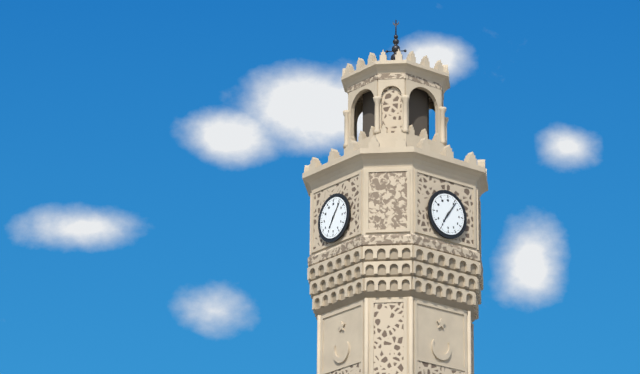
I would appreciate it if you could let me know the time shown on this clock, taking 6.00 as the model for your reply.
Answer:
7.06
